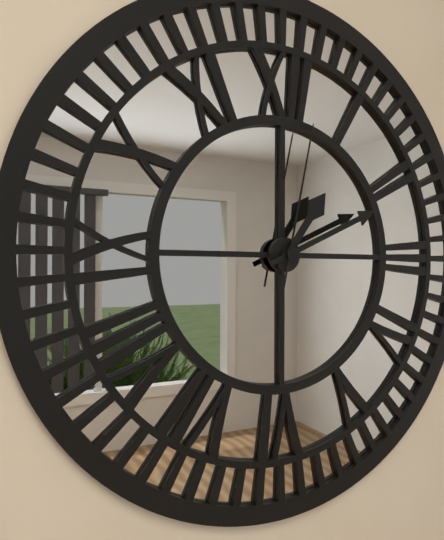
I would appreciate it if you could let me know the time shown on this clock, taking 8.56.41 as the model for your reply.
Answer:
1.11.02
